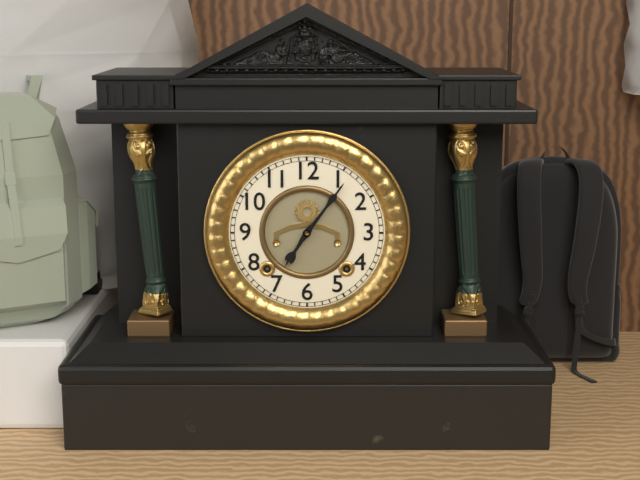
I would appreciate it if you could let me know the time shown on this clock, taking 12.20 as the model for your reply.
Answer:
7.06
